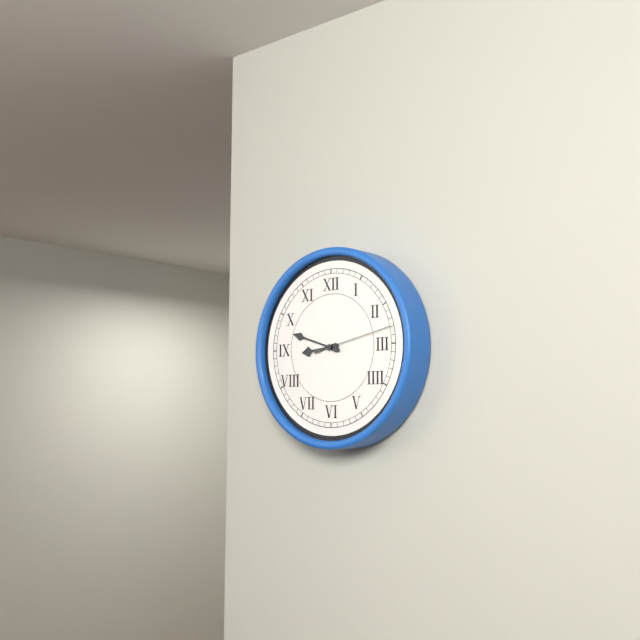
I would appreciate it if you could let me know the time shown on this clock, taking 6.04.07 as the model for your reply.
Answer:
8.48.13
